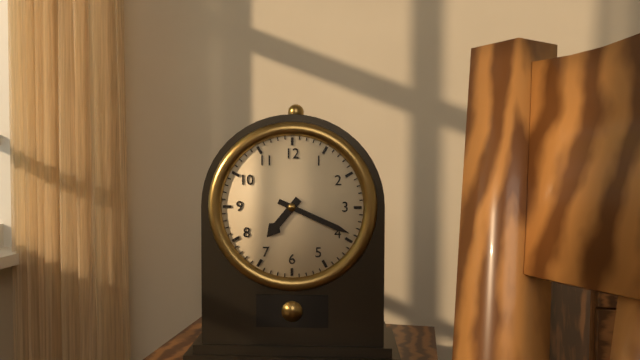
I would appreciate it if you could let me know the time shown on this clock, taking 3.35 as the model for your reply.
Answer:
7.19
